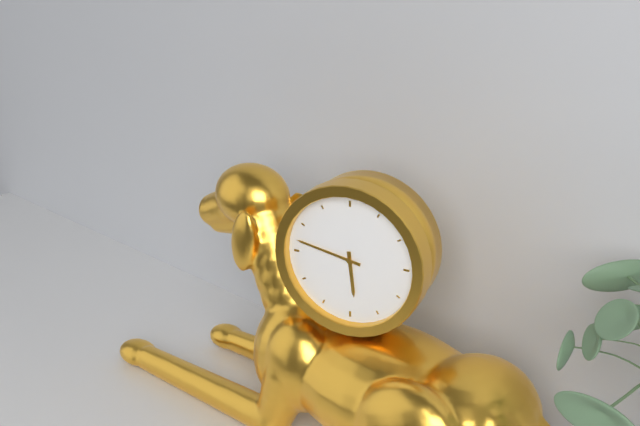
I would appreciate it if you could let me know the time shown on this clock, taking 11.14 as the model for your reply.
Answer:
5.47
